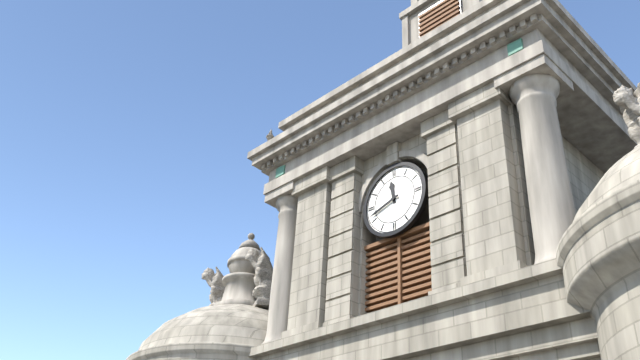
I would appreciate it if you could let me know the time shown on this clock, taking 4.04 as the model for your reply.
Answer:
11.42
